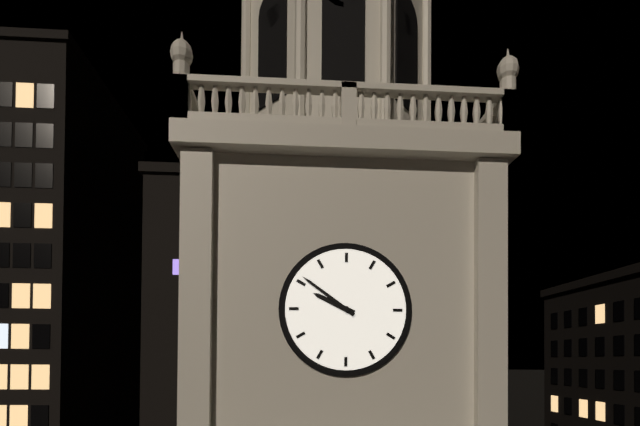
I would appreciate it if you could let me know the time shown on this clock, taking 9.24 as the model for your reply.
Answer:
9.51
